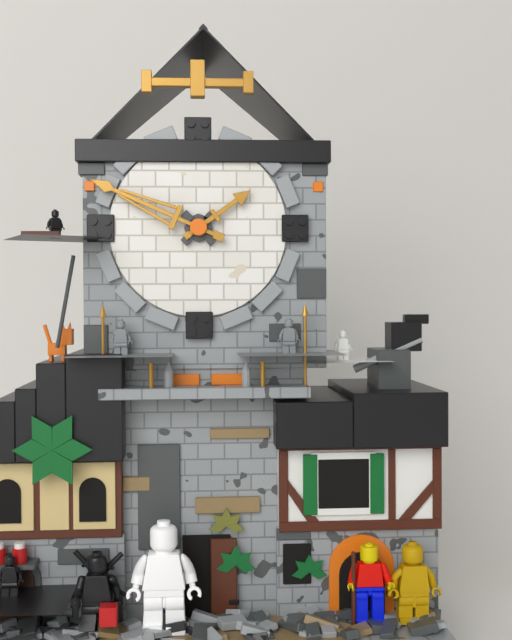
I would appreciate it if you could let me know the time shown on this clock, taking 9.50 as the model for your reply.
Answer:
1.49
